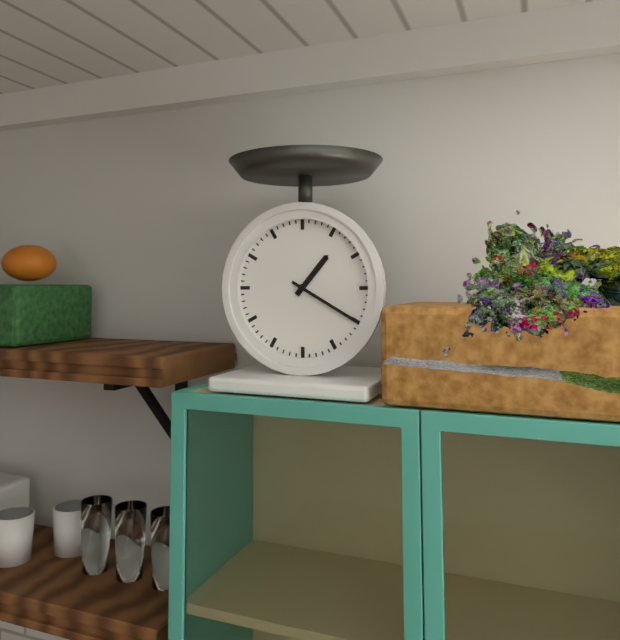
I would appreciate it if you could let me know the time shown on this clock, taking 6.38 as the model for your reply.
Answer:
1.20
